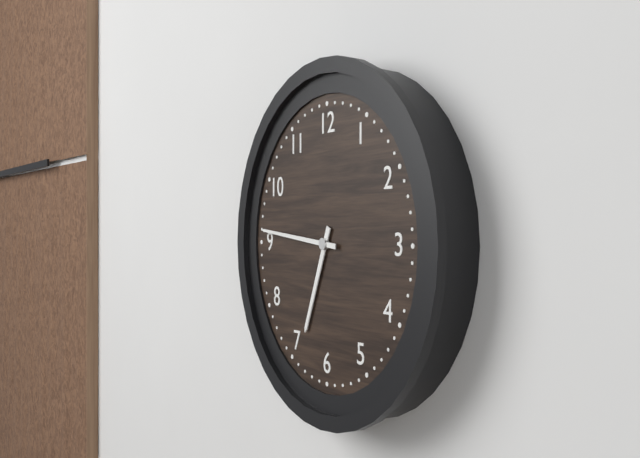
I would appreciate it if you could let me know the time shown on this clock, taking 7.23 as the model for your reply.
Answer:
6.46
